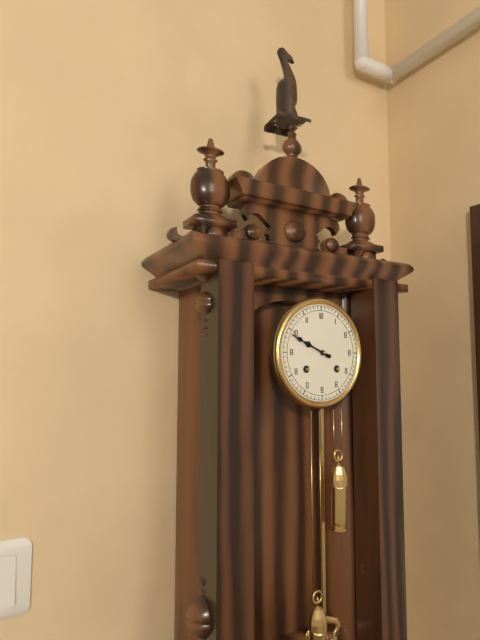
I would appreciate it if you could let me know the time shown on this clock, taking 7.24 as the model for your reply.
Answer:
9.49
